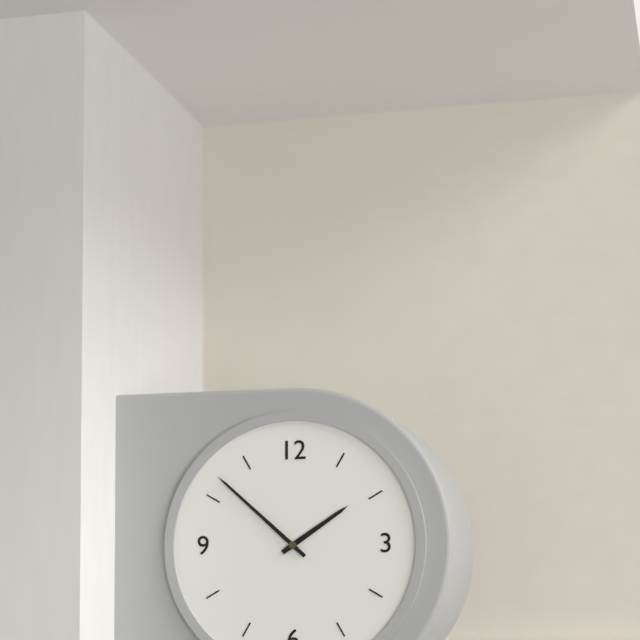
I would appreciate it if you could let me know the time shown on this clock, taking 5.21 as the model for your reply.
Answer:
1.52
